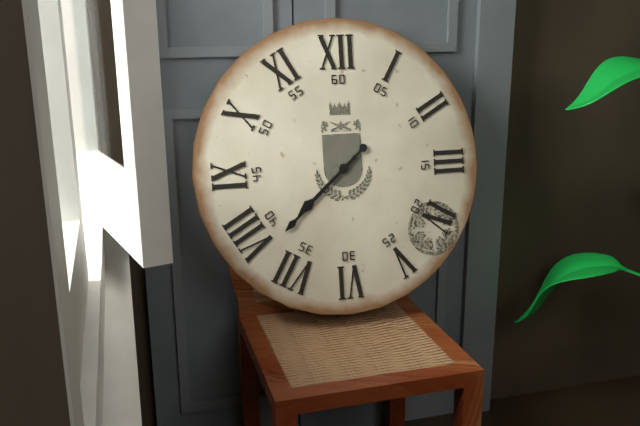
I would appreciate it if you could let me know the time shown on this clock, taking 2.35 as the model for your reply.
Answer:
7.38
